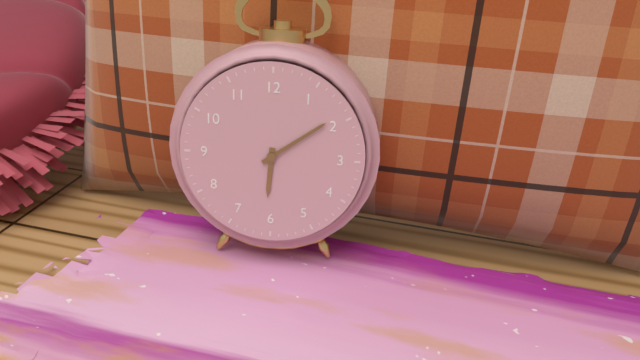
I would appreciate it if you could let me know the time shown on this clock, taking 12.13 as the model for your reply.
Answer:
6.09
